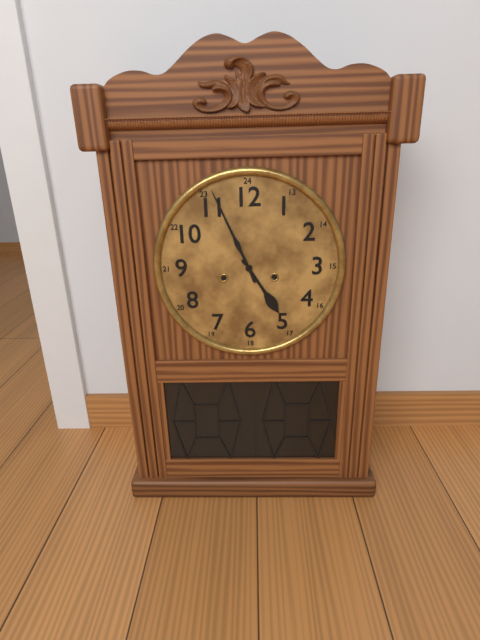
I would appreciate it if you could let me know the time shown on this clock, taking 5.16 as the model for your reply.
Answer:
4.56
